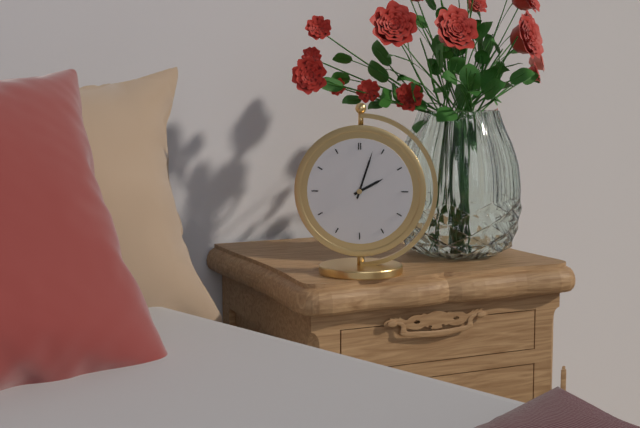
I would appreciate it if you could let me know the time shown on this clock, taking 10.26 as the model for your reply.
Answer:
2.03
